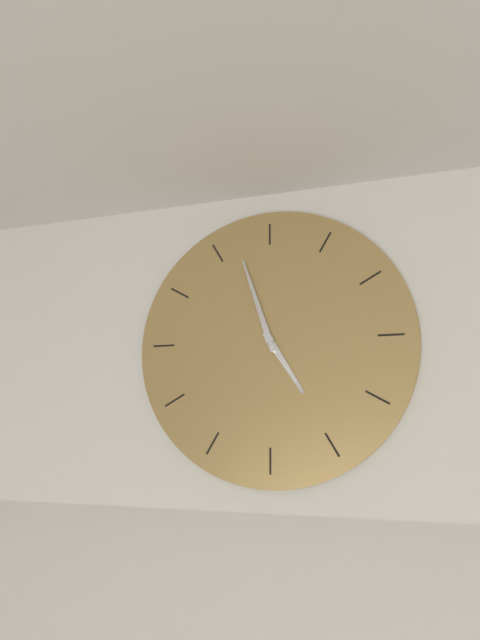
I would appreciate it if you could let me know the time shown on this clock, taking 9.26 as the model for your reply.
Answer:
4.57
